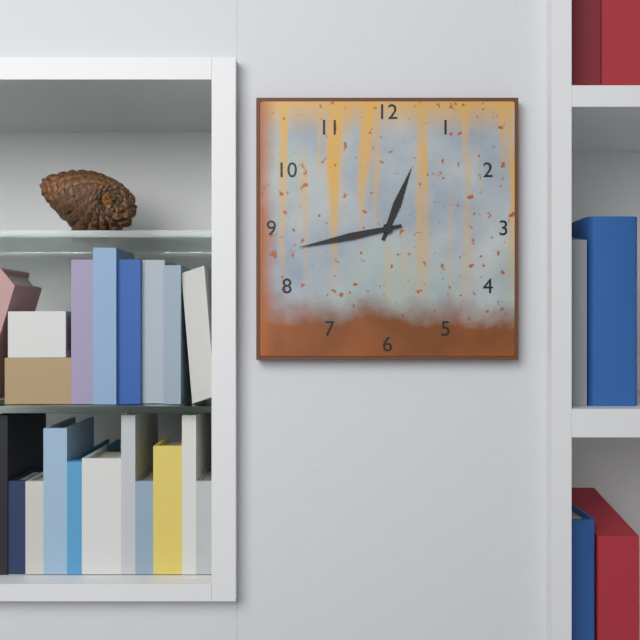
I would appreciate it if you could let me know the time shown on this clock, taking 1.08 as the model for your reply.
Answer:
12.43
